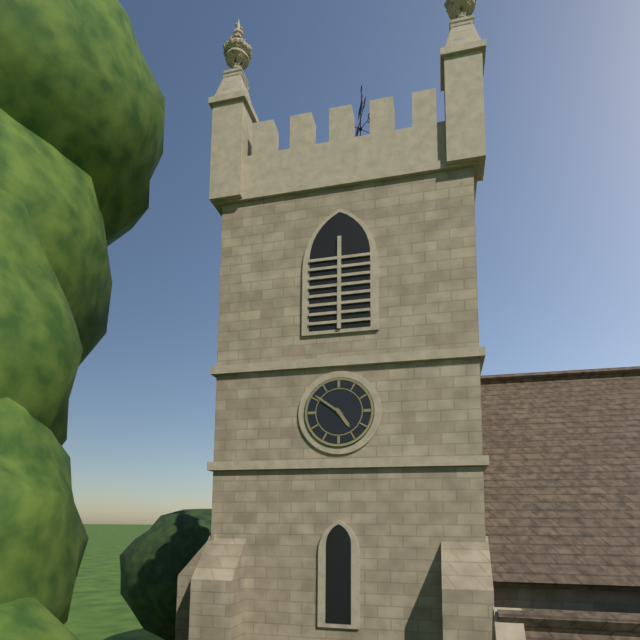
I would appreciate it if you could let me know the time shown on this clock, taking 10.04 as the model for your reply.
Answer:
4.51
